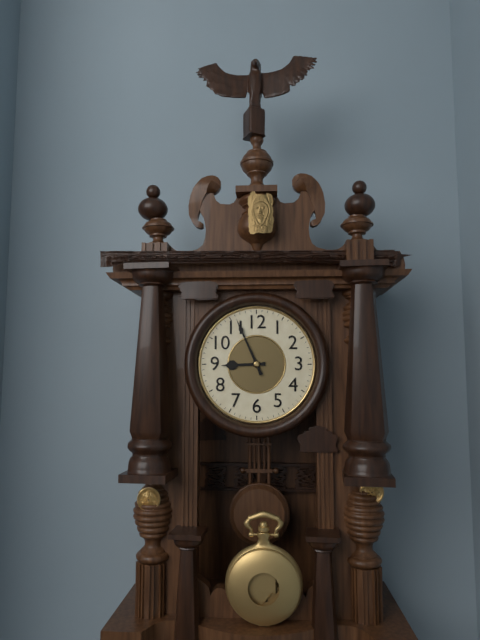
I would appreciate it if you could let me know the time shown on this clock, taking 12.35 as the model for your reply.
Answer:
8.56
